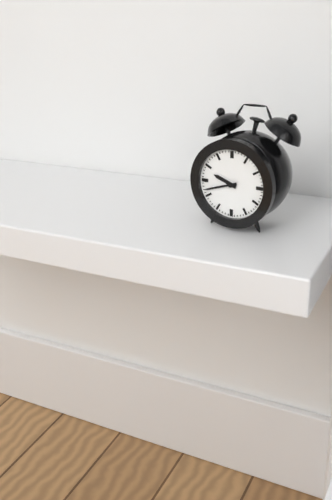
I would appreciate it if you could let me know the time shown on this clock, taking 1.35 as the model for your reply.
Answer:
9.42
